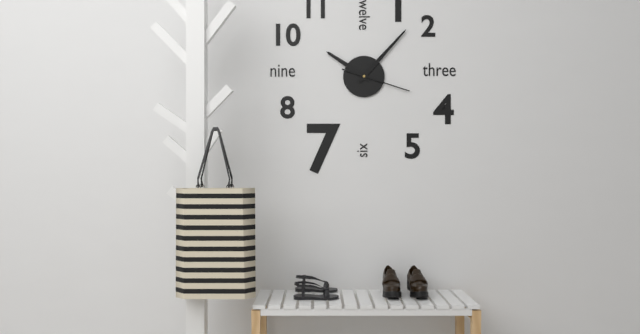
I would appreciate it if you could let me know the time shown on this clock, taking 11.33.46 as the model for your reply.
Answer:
10.07.18
